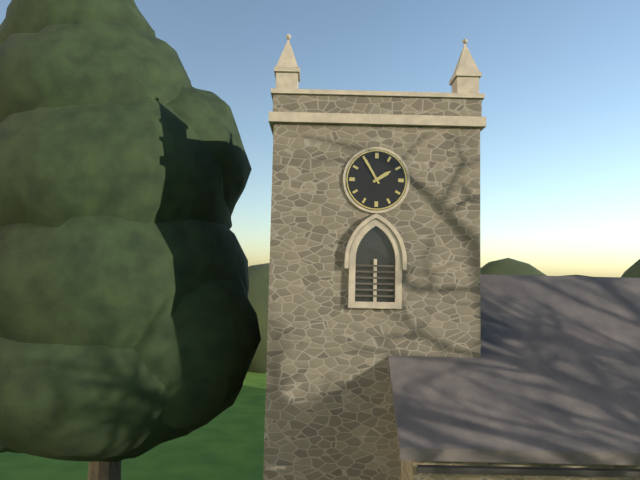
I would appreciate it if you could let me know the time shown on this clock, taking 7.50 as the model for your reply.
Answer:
1.55
